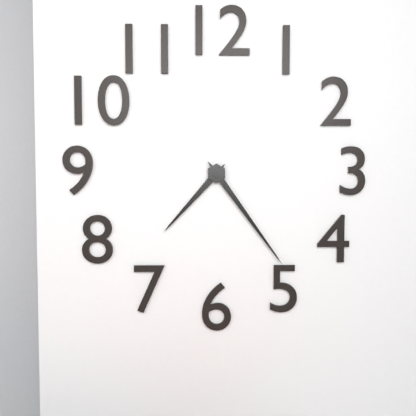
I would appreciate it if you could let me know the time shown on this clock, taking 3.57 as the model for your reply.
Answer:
7.24
